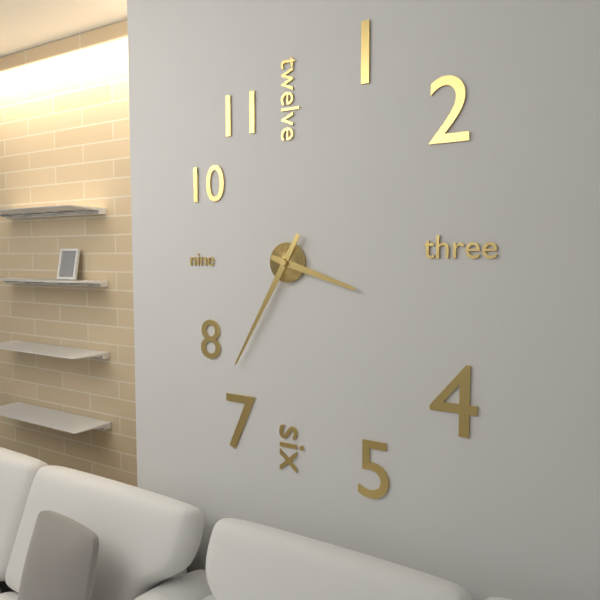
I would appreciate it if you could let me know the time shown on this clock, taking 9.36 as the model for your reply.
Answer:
3.35
